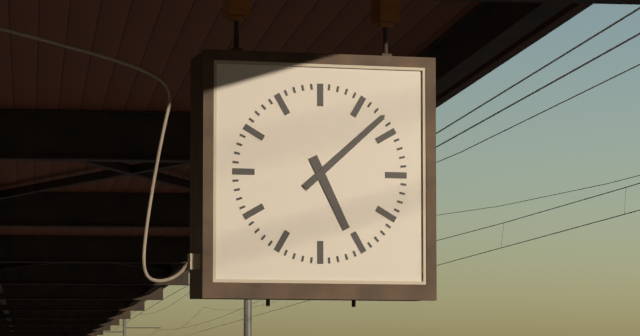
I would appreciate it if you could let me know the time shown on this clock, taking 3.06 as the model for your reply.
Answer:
5.08
